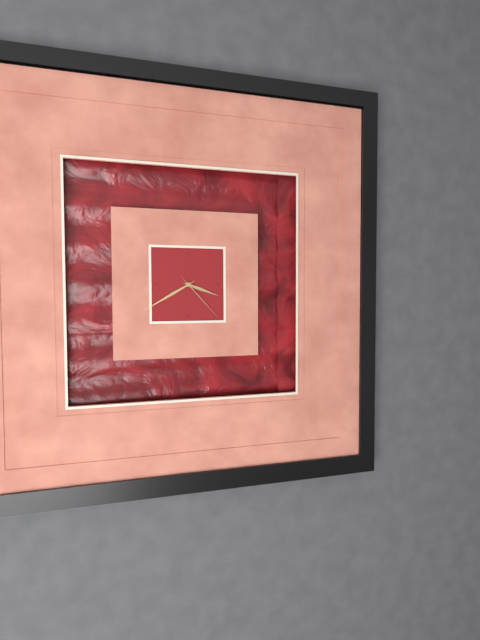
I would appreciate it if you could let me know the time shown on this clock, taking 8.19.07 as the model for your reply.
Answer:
3.40.23
